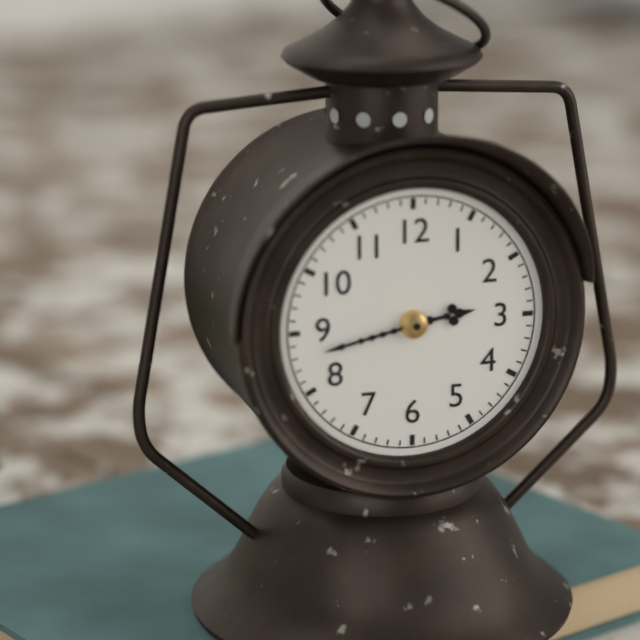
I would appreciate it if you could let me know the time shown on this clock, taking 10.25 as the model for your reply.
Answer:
2.43
